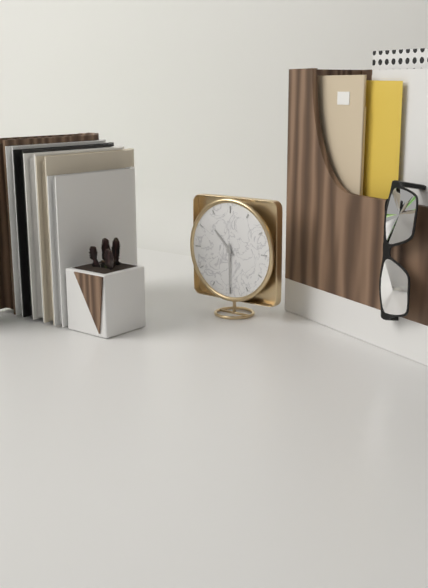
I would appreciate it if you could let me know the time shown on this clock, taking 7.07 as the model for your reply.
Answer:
10.30
